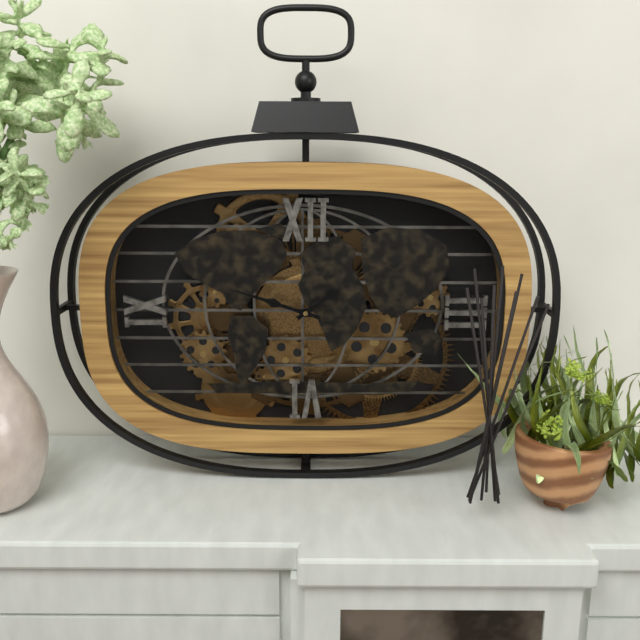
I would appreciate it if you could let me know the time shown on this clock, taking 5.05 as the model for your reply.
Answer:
1.48
